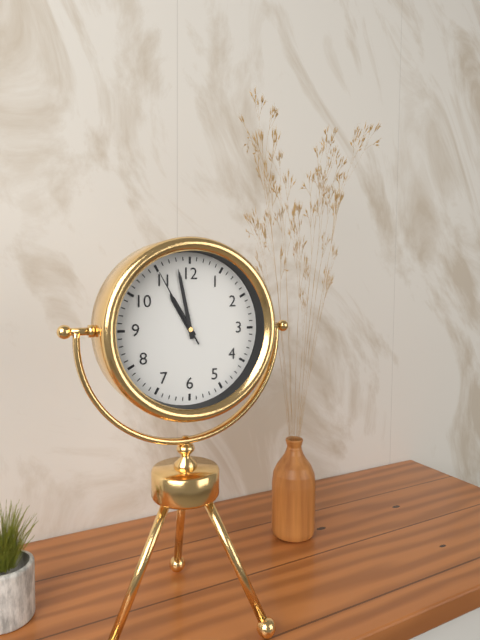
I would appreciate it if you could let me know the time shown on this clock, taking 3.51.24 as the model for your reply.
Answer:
10.58.55
